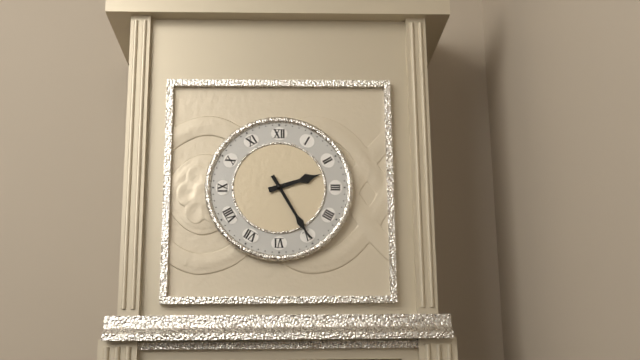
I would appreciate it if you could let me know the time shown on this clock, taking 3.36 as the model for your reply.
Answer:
2.25
